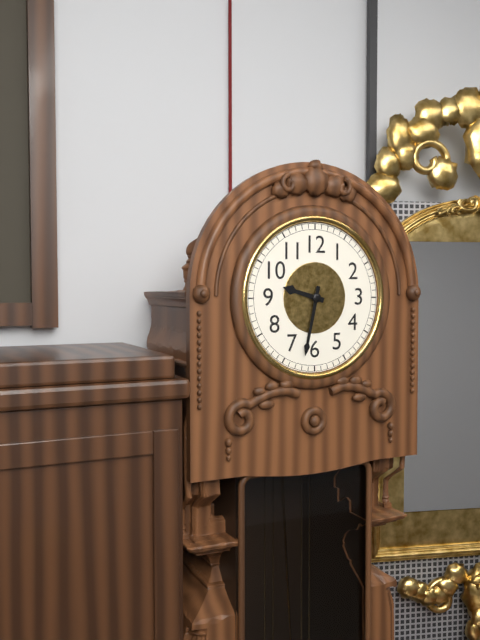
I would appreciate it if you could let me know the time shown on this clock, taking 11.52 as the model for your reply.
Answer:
9.32
